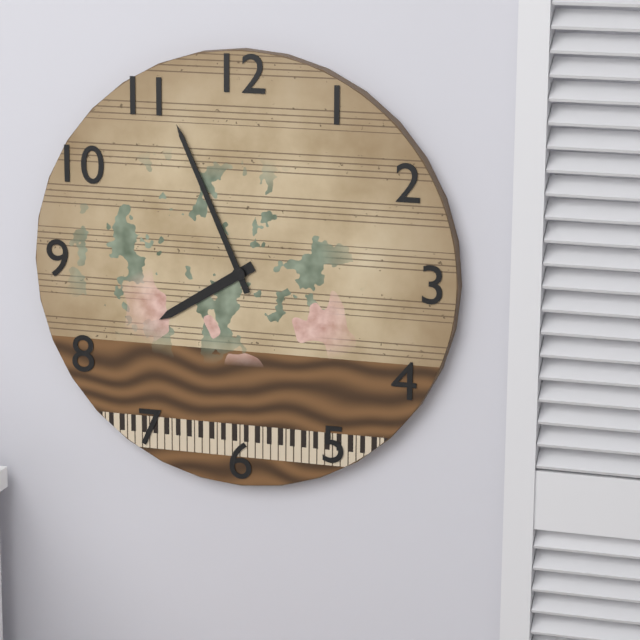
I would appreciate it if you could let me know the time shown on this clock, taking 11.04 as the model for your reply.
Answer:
7.56
